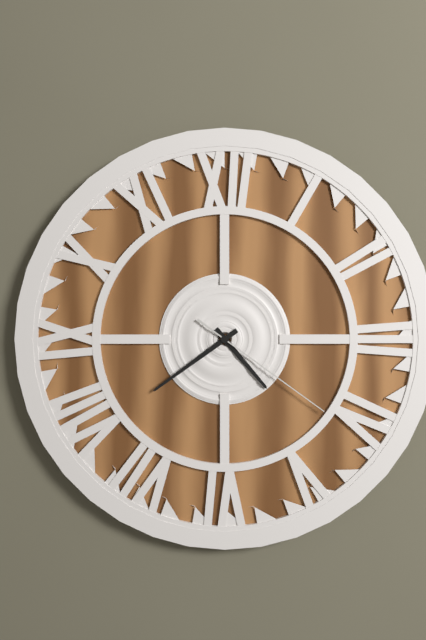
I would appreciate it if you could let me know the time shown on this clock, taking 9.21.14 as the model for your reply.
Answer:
4.39.21
